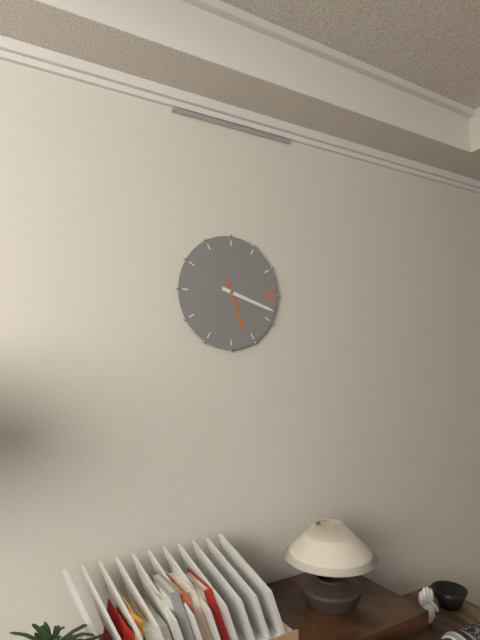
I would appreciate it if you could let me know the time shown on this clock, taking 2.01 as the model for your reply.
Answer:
5.18
